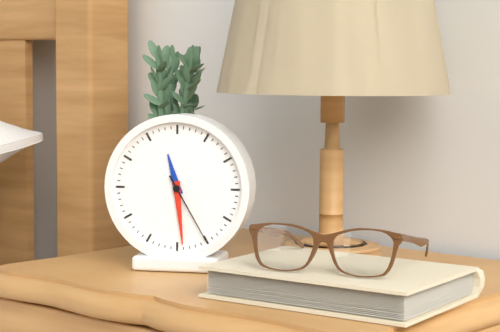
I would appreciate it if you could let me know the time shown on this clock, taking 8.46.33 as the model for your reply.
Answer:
11.29.25
